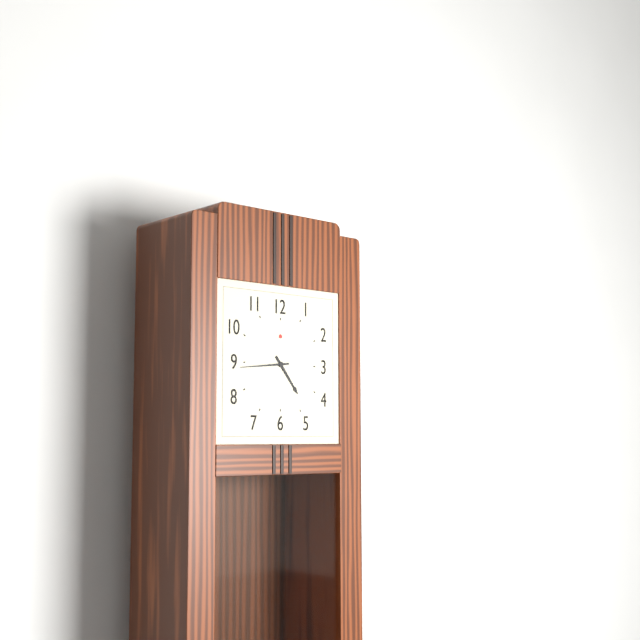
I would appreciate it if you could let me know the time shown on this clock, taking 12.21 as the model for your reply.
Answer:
4.44
